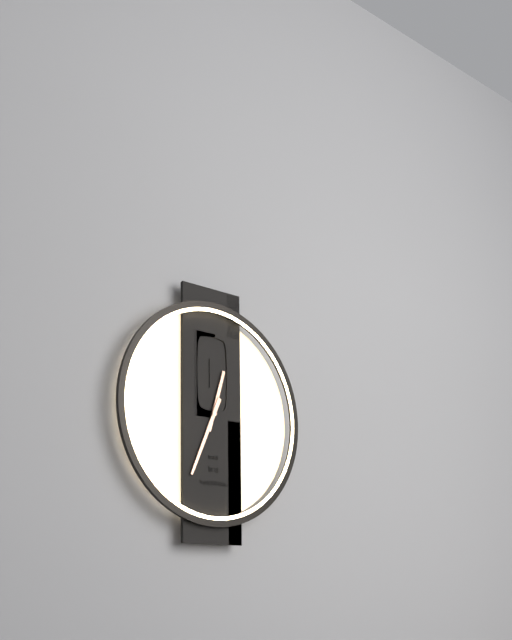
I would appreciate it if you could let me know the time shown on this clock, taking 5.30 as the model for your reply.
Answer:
12.34
